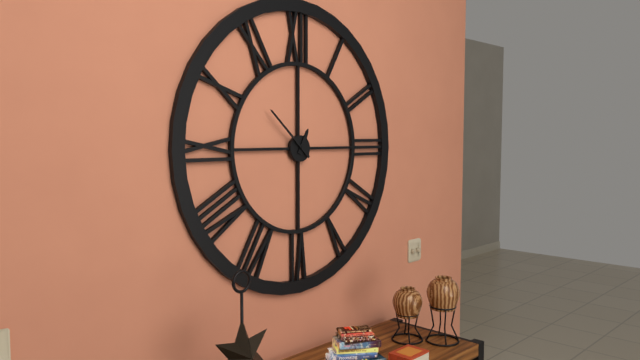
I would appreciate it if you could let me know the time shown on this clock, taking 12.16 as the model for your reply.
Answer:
12.52
